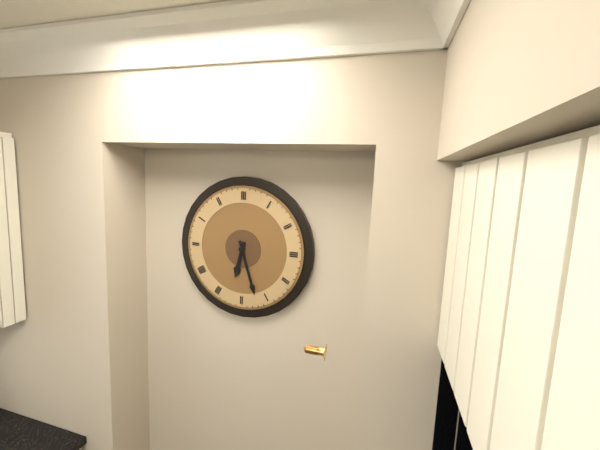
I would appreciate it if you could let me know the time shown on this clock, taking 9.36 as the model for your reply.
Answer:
6.27
